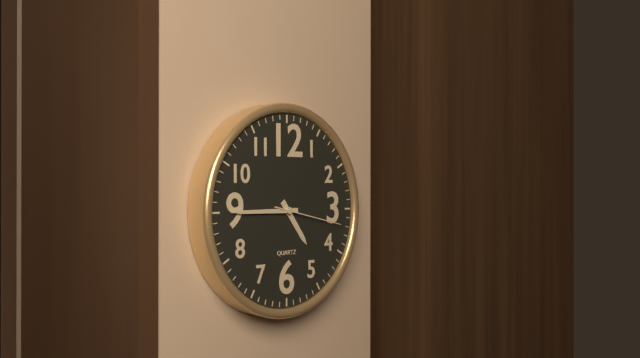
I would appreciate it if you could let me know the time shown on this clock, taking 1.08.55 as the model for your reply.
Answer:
4.45.17
